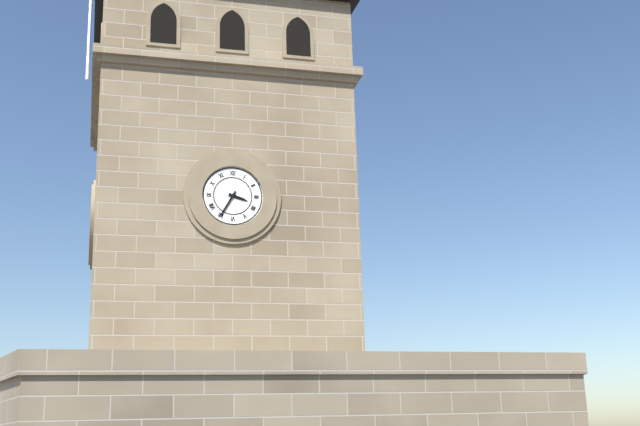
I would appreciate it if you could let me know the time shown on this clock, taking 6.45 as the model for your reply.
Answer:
3.35
